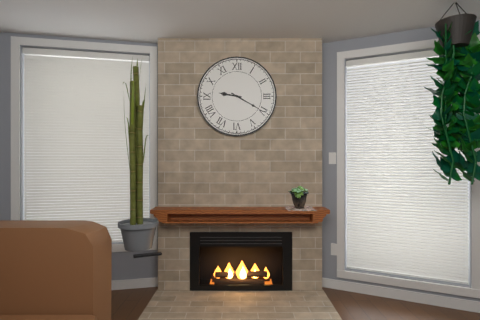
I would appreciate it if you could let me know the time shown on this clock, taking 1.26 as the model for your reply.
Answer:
9.20
